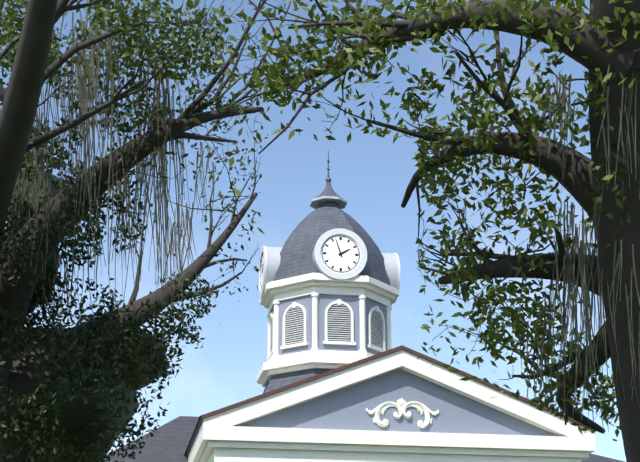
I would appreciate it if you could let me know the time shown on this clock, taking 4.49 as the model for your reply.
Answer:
1.57
